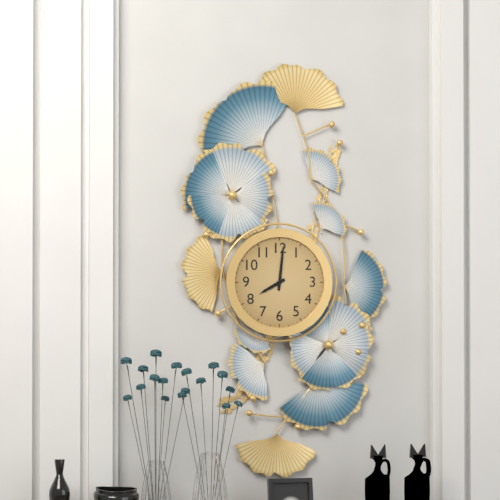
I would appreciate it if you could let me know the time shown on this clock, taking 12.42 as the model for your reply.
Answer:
8.01
